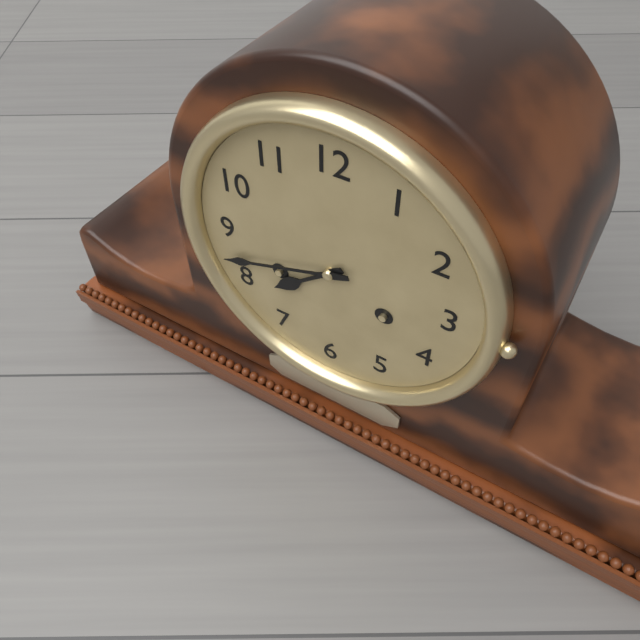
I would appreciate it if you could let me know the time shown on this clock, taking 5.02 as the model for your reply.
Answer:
7.42
